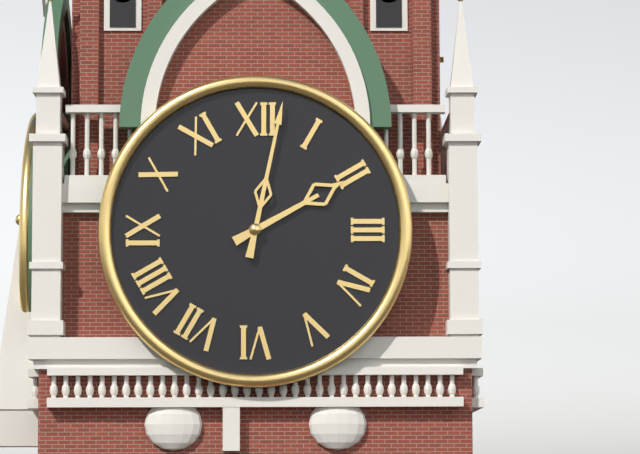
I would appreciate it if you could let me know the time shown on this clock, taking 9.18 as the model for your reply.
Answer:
2.02
